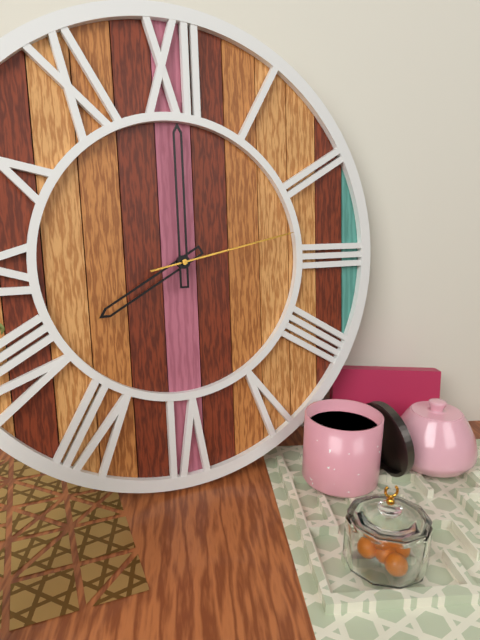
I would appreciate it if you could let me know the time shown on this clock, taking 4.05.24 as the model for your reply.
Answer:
8.00.13
